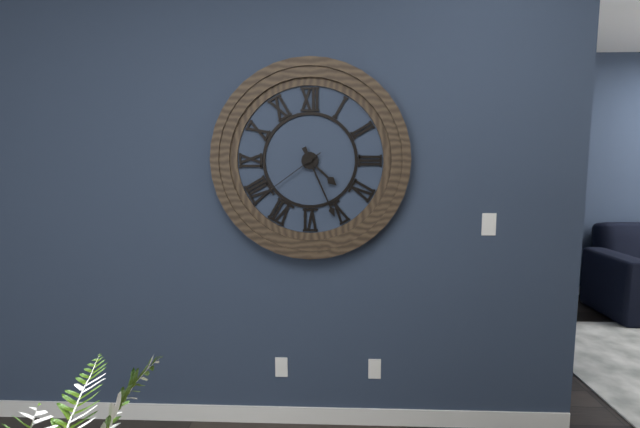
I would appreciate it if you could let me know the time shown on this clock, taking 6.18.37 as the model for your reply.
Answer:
4.26.39
